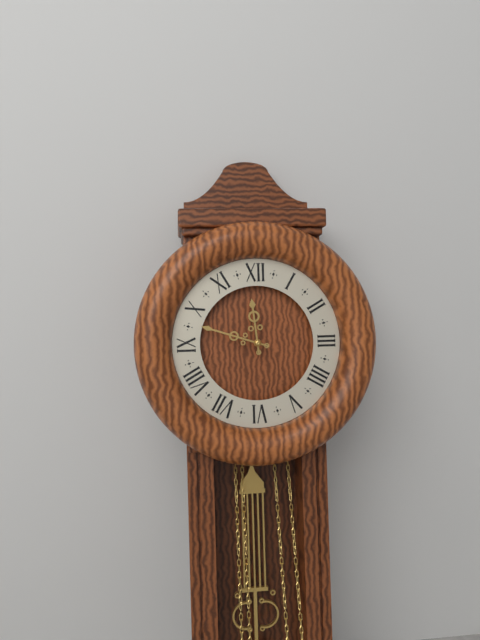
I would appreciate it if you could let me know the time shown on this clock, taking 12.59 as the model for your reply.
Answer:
11.48
